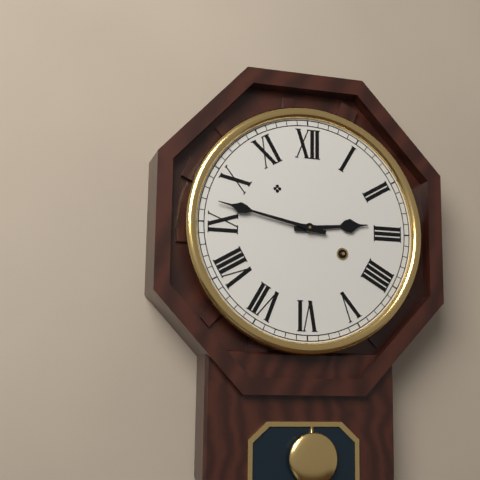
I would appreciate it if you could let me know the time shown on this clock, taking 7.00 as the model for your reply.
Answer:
2.47
